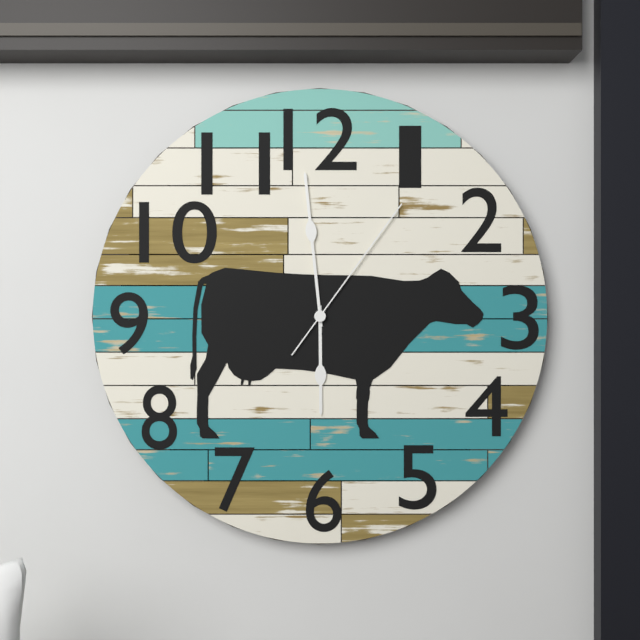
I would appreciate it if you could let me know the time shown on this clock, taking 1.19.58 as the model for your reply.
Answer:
5.59.06
